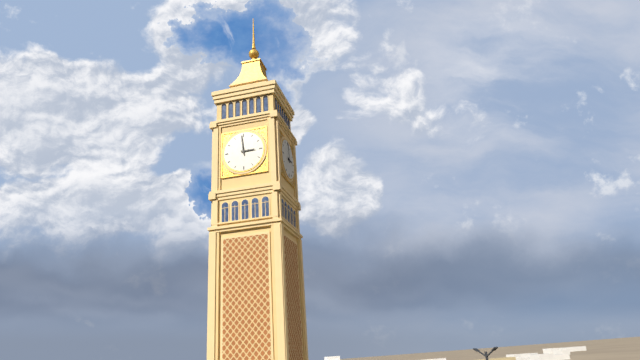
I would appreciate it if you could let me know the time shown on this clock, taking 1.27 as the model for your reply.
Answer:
2.59
